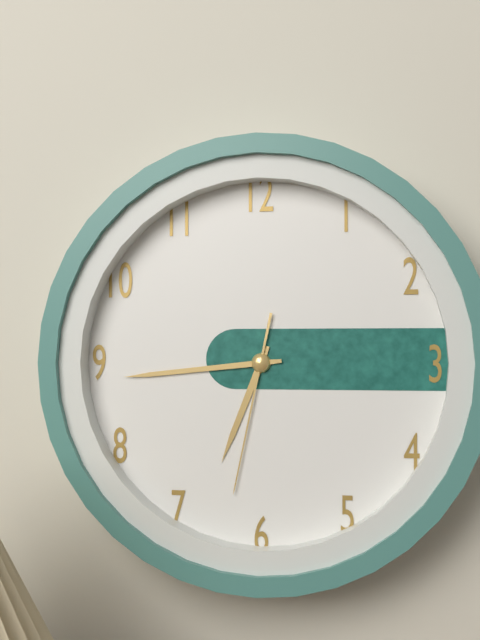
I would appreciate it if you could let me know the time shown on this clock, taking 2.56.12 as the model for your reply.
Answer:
6.44.32
